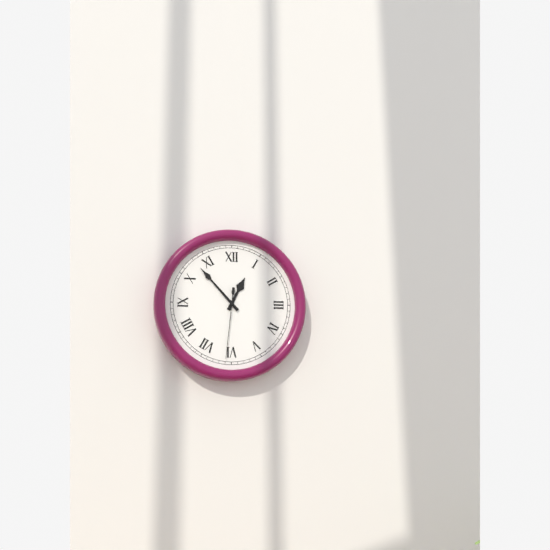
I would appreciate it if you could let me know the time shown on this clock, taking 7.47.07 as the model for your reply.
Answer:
12.53.31
